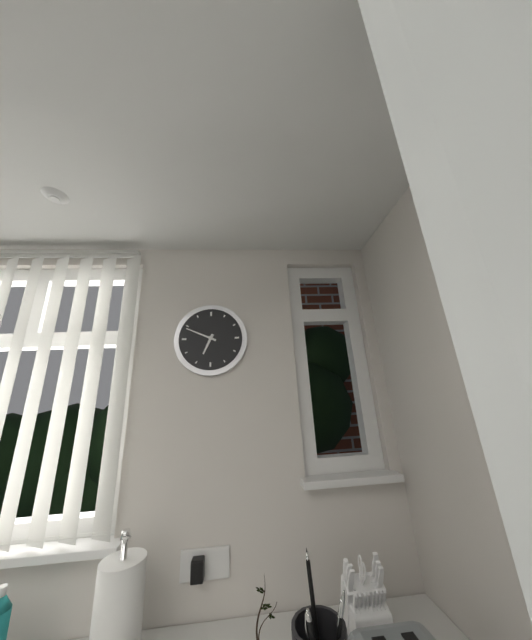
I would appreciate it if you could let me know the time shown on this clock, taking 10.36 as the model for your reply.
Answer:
6.49
